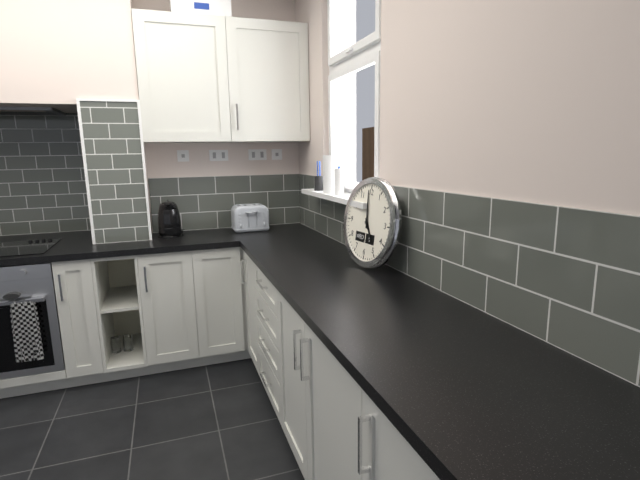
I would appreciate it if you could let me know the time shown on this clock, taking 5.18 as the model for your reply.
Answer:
4.59
